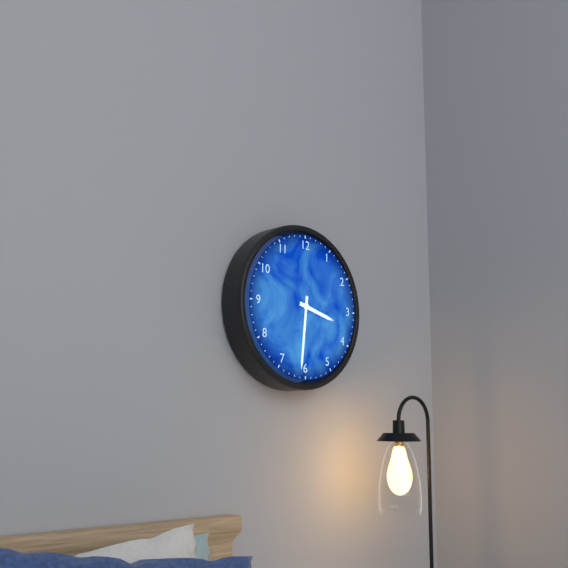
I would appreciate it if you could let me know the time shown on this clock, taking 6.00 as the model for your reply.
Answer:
3.31
